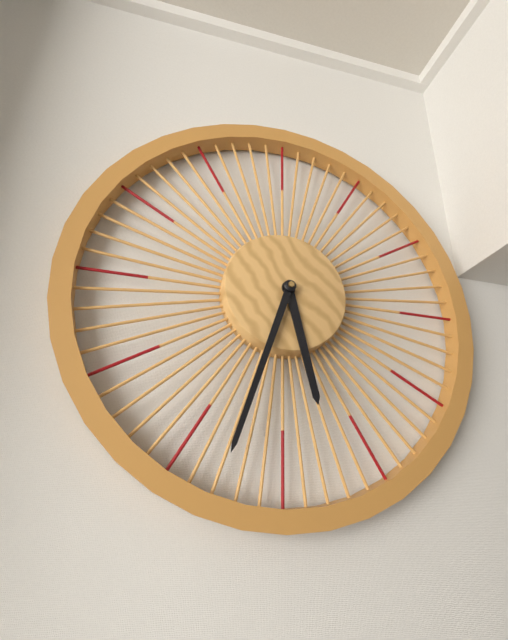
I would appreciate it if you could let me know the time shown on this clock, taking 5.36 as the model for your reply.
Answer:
5.33
